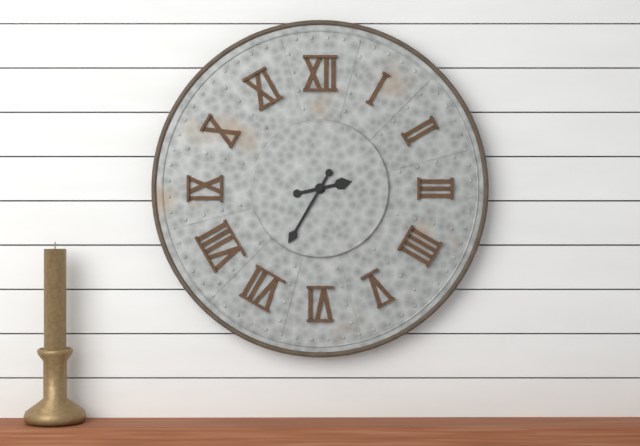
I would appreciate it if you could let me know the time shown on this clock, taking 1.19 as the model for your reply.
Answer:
2.35
